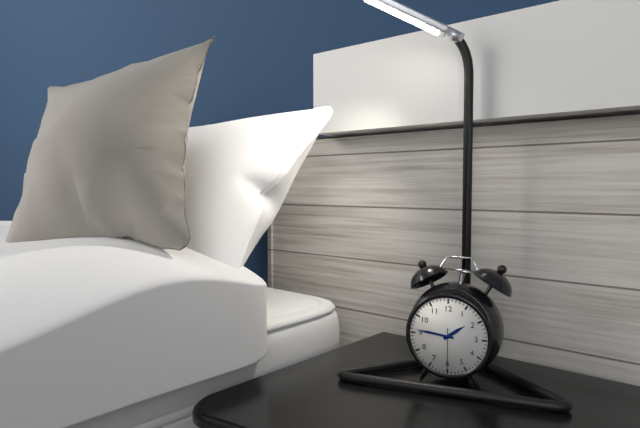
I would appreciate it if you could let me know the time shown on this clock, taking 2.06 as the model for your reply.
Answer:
1.46
